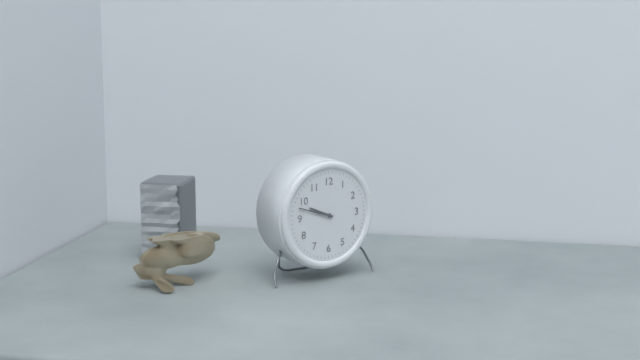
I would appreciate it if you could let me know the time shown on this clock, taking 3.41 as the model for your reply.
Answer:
9.48
